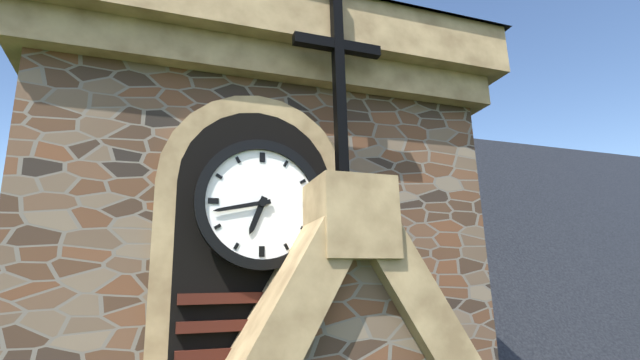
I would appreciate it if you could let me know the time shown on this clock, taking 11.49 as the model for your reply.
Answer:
6.43
